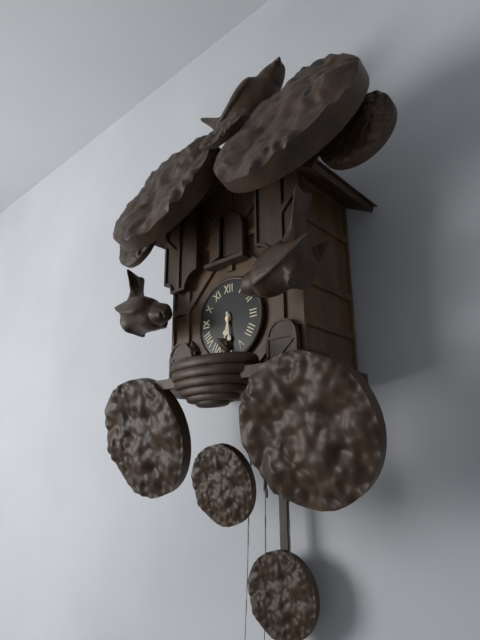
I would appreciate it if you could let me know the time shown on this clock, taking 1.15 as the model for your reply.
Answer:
6.29
